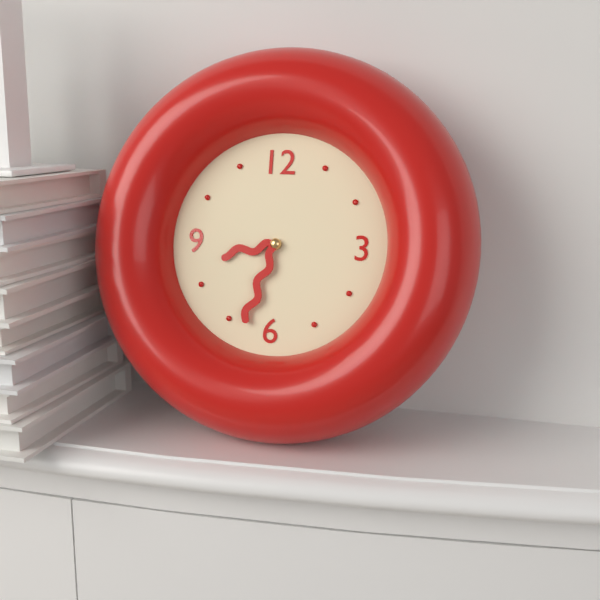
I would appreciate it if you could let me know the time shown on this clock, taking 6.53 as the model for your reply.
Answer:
8.33
